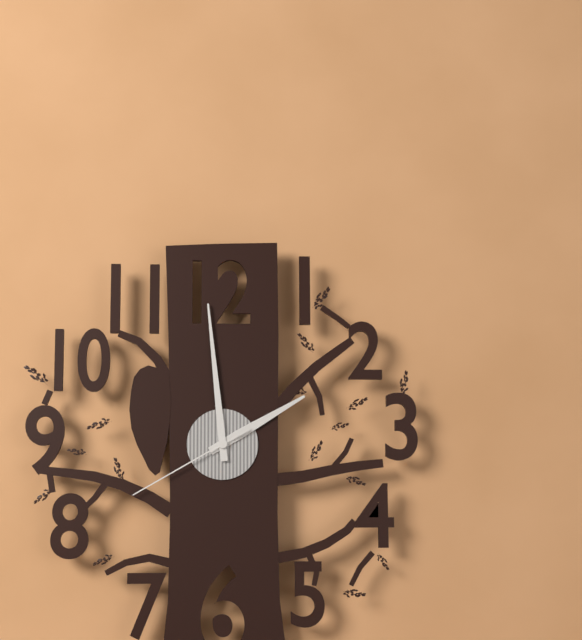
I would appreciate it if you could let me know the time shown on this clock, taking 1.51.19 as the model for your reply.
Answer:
1.59.40
